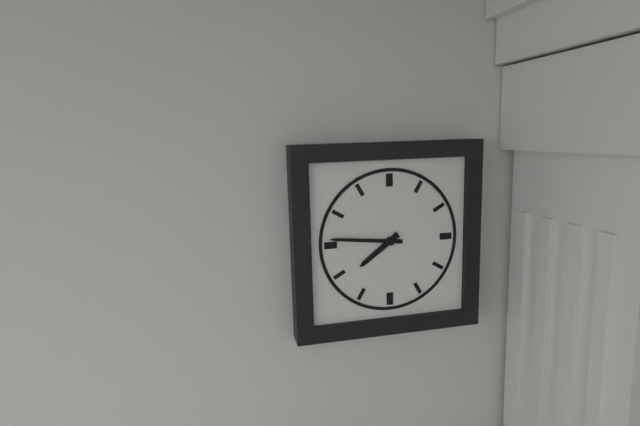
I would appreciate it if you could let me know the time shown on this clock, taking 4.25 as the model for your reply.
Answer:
7.46
